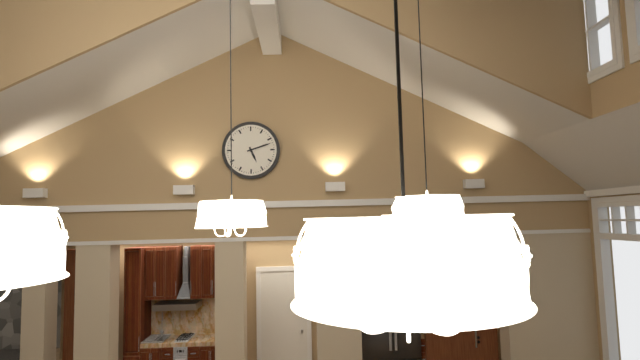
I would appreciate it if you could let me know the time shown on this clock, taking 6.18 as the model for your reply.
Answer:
5.12
